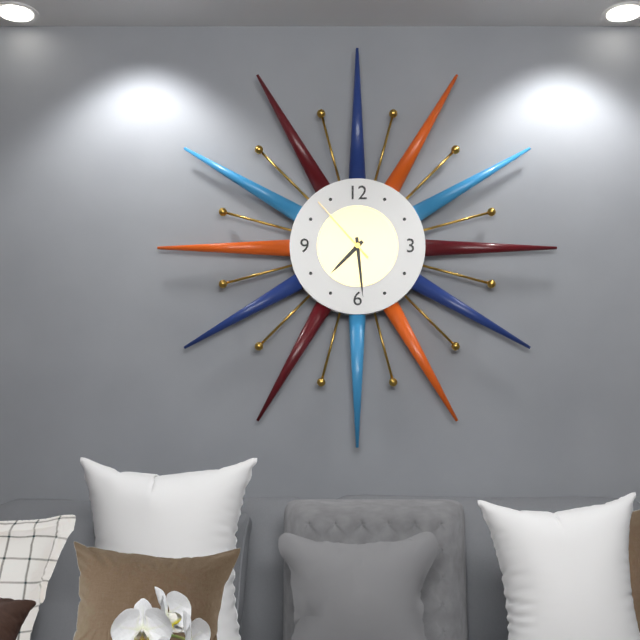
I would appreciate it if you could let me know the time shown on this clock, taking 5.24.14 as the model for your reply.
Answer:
7.29.53
